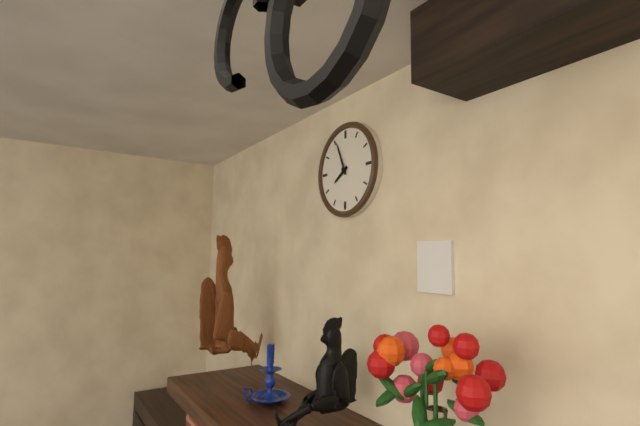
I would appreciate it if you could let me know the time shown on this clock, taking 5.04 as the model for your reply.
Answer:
7.56
